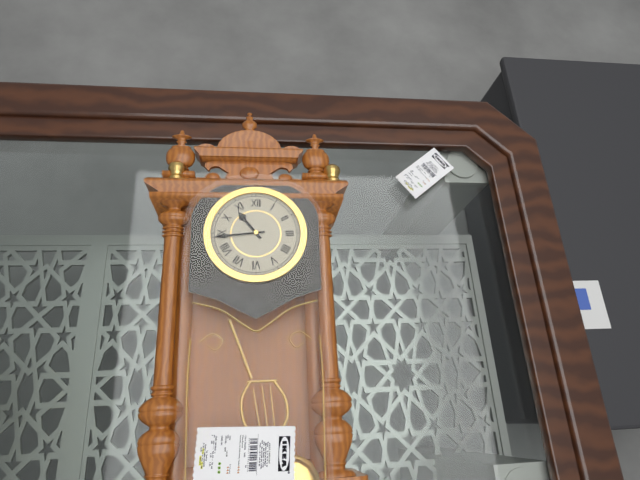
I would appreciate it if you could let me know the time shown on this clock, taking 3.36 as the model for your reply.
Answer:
10.44
